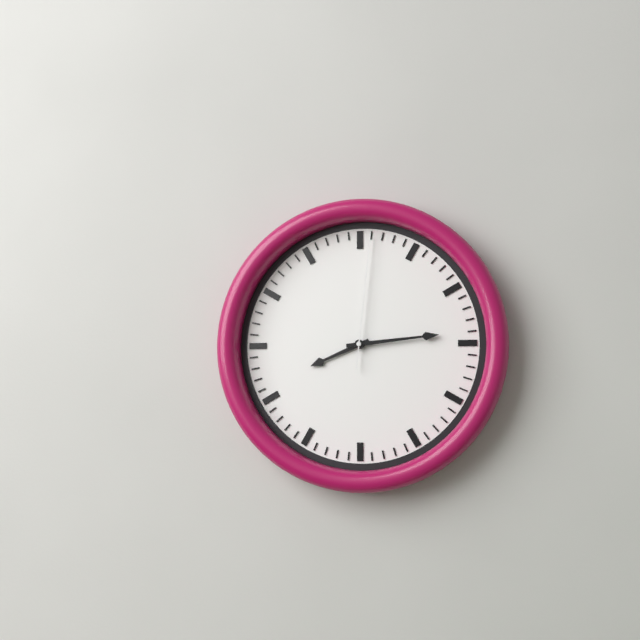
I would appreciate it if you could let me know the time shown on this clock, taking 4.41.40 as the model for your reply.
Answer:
8.14.01
